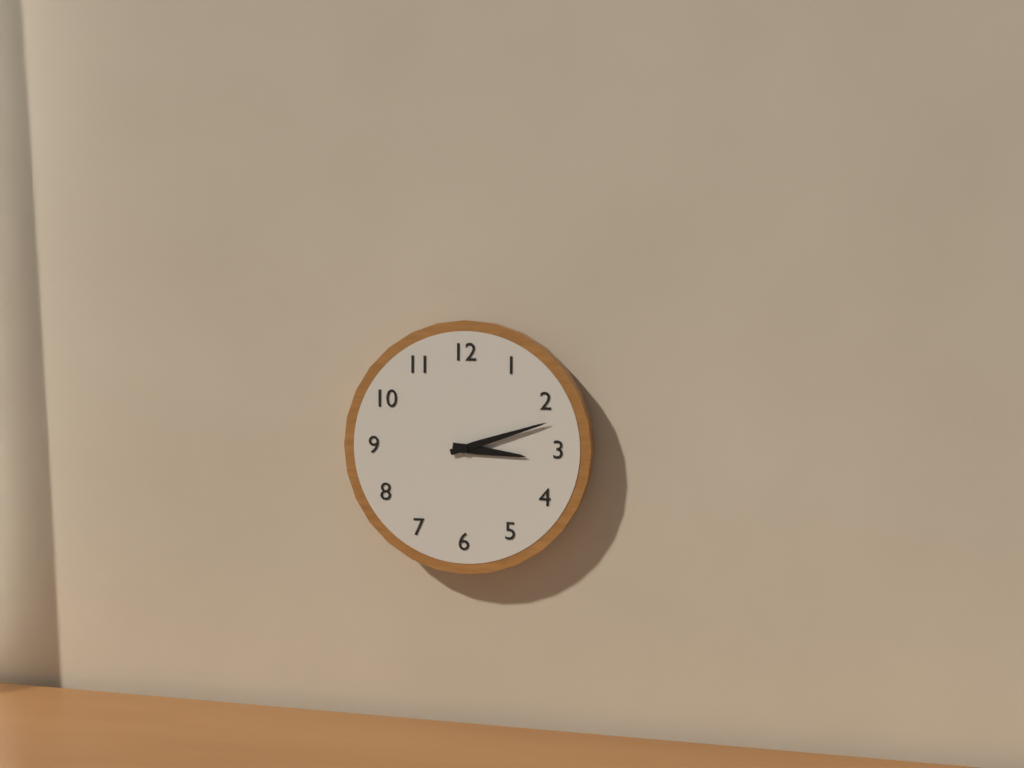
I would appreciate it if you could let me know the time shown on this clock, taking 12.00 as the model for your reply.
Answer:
3.12
